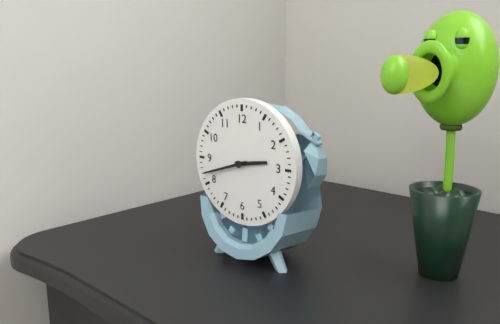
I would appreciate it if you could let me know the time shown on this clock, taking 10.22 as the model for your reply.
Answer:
2.42
